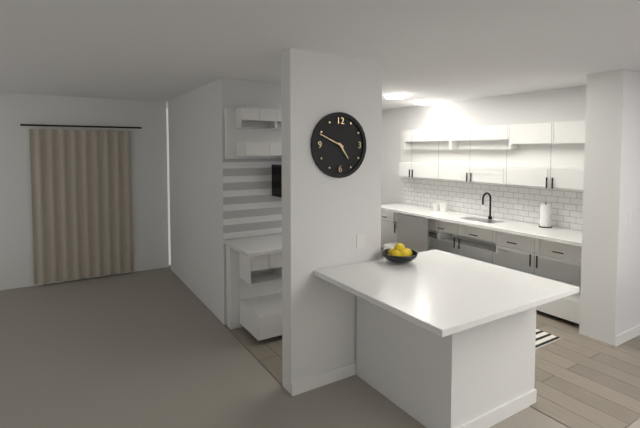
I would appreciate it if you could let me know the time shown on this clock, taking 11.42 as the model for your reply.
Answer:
4.49
